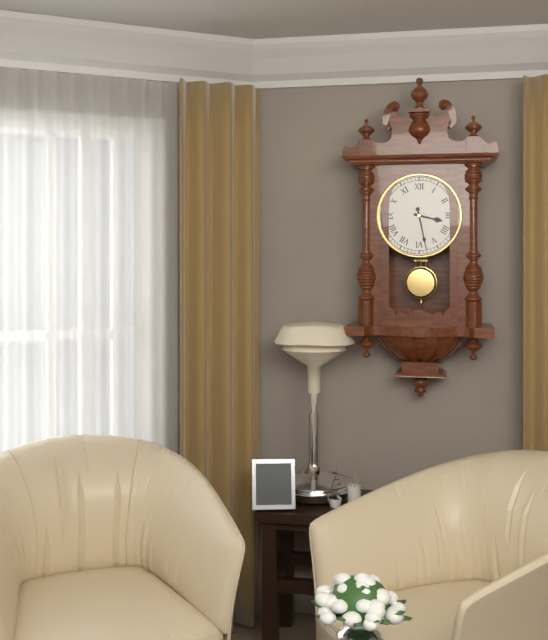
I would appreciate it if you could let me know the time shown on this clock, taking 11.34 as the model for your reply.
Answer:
3.28
